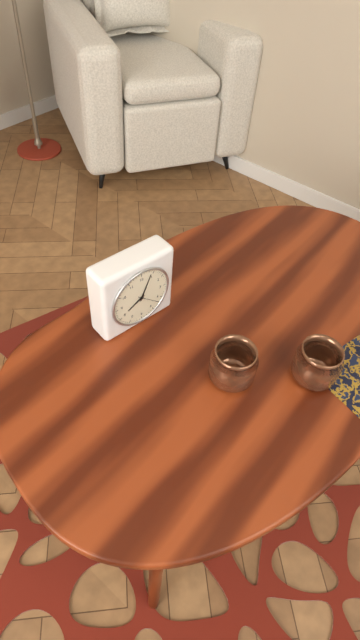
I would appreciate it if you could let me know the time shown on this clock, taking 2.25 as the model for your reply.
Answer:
8.04
